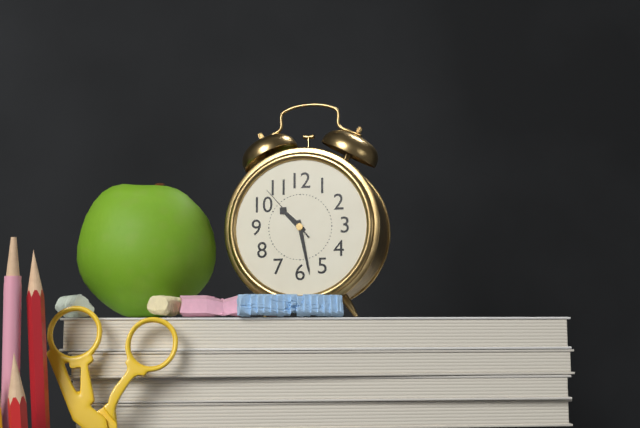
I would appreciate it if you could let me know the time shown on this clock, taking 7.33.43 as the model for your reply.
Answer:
10.28.53
